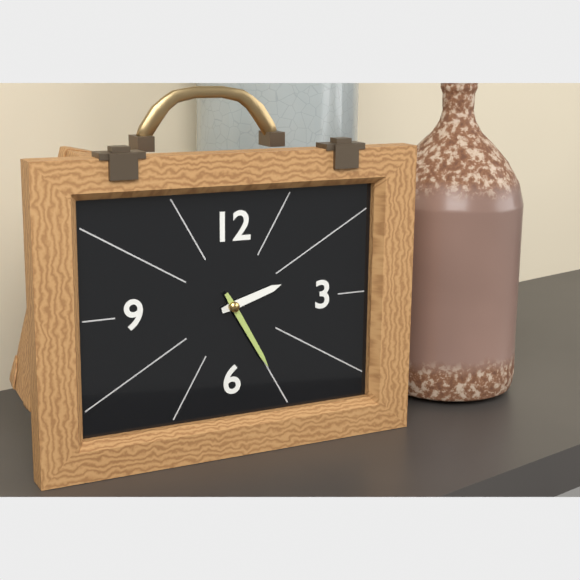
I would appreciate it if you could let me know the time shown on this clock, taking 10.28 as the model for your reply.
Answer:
2.25
